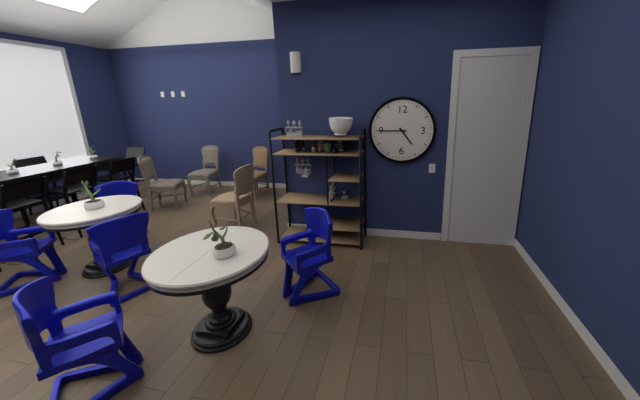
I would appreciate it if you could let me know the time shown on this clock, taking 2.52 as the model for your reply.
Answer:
4.45
